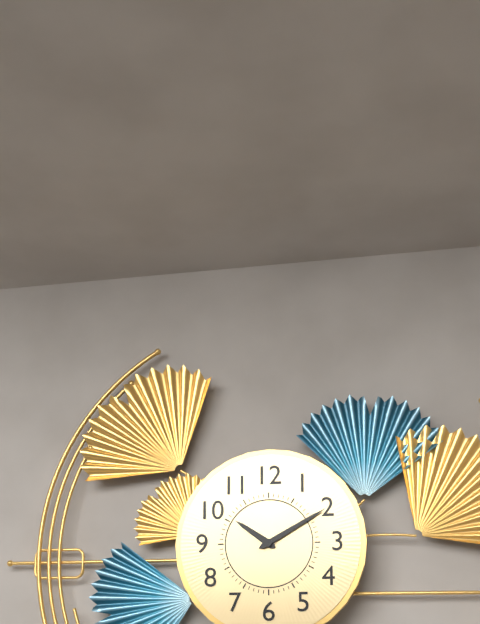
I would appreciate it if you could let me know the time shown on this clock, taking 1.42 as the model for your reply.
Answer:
10.10
